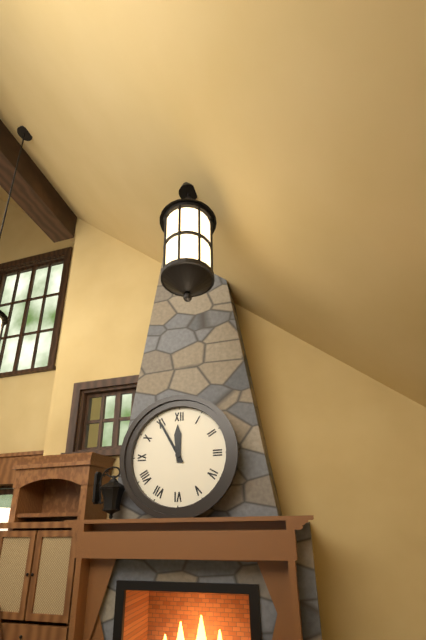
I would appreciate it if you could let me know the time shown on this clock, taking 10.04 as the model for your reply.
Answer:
11.55
